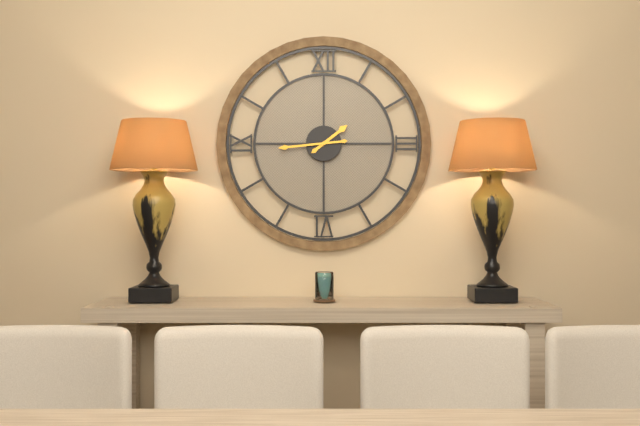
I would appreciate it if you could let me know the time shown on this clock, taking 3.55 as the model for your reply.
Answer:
1.44
